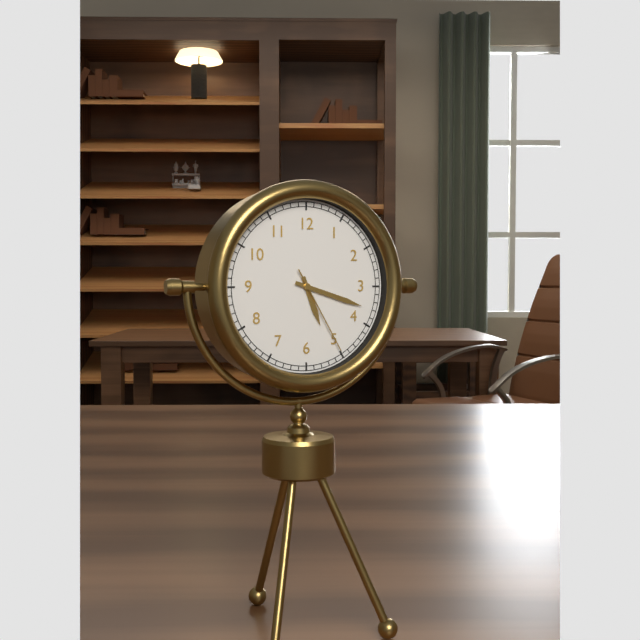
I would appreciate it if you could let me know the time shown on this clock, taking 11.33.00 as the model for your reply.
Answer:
5.18.25
